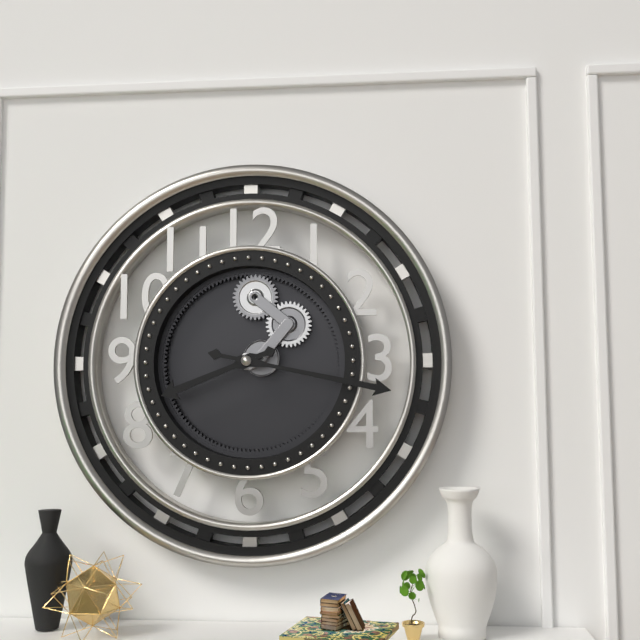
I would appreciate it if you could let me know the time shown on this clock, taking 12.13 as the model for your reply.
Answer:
8.17
